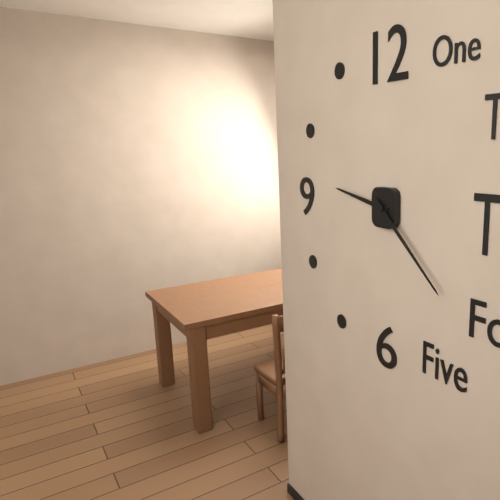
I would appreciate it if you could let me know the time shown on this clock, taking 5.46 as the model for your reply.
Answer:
9.22
